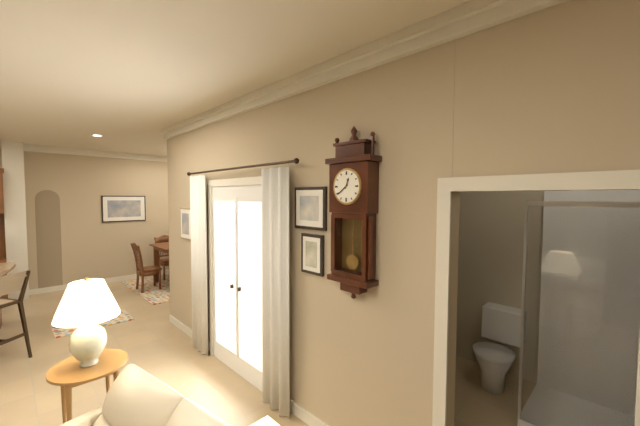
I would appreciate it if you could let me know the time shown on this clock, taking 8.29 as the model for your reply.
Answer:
12.39
